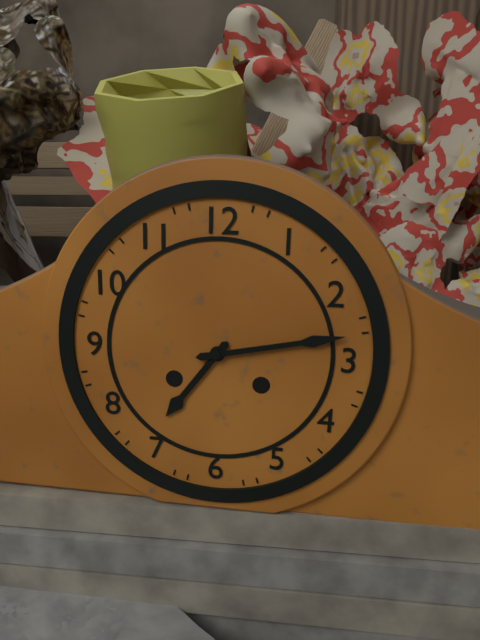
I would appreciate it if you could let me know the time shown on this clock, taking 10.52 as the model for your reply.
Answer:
7.13
